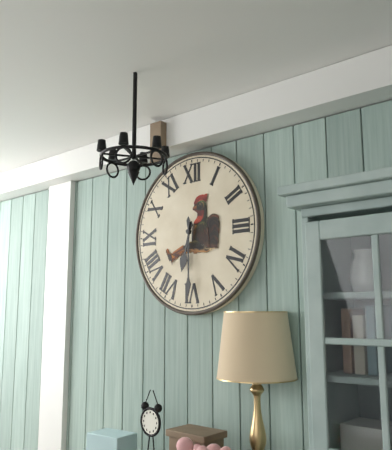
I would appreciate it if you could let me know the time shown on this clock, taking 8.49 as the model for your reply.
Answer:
6.30
